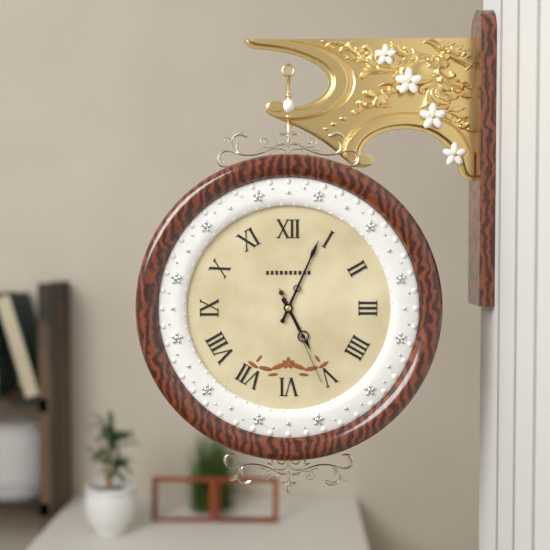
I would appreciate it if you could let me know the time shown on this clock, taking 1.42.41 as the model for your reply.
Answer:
5.04.26
